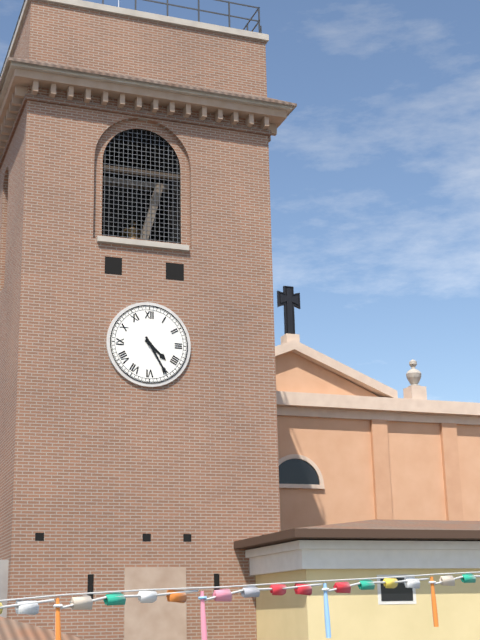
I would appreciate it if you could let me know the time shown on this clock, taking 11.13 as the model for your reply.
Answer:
4.25
